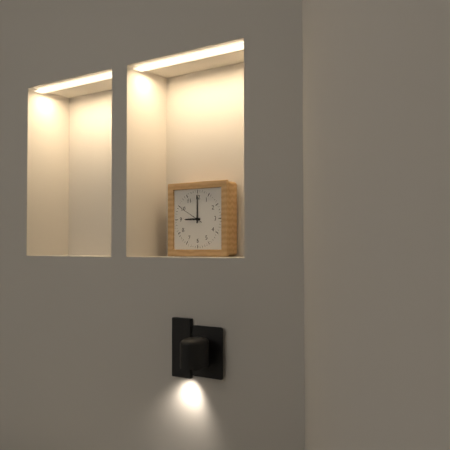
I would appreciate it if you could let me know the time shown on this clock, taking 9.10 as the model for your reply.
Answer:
9.00
